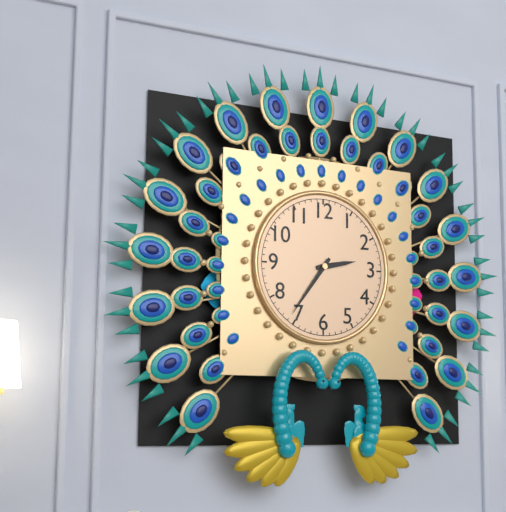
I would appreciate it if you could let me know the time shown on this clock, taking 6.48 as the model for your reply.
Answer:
2.36
